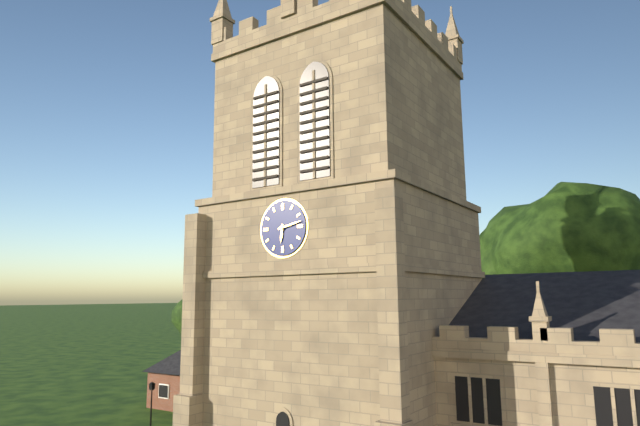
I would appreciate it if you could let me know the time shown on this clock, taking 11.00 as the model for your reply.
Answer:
6.13
